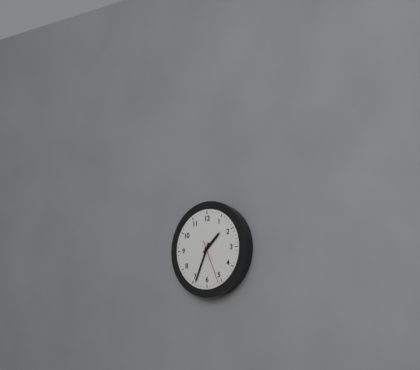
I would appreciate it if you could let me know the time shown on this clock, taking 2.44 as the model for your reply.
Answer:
1.34
